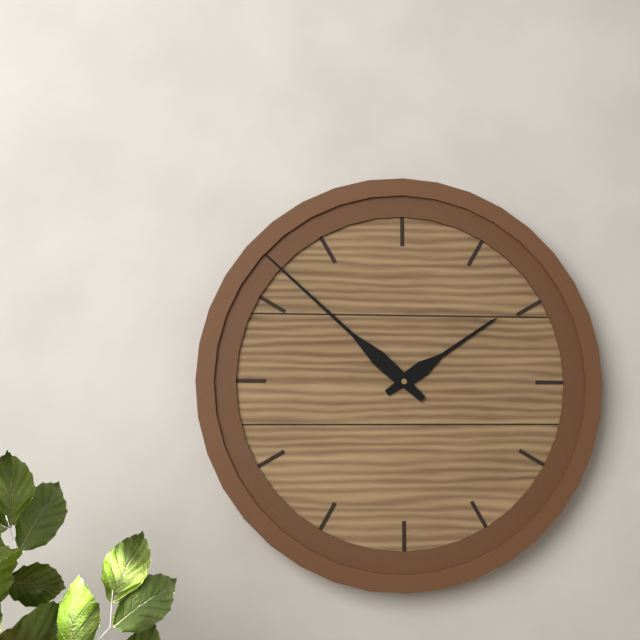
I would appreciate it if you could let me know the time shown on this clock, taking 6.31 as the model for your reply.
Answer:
1.52
